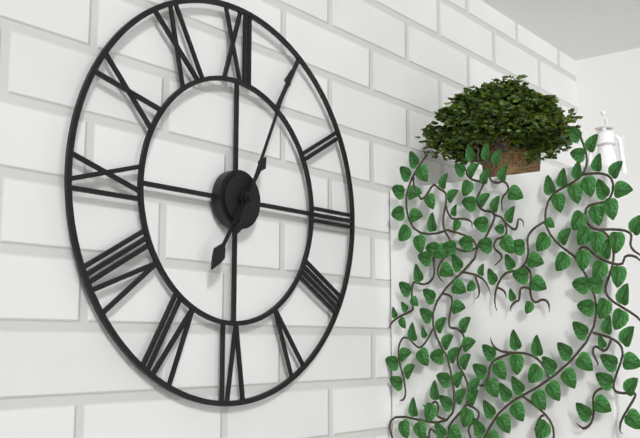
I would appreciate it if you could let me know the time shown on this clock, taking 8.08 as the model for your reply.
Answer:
7.04
